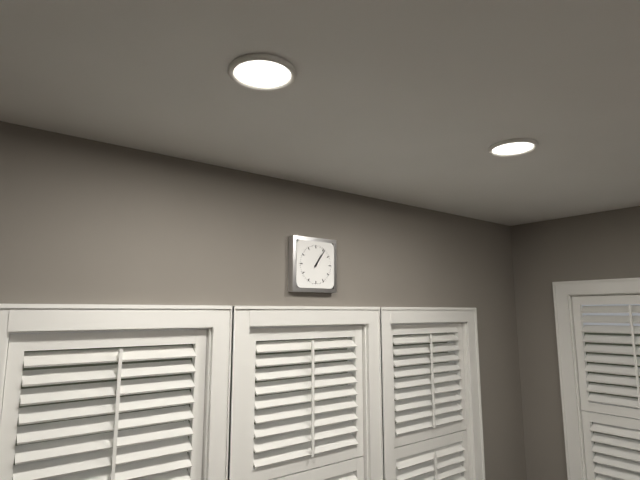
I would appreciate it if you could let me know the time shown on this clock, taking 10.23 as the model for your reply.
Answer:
1.06
